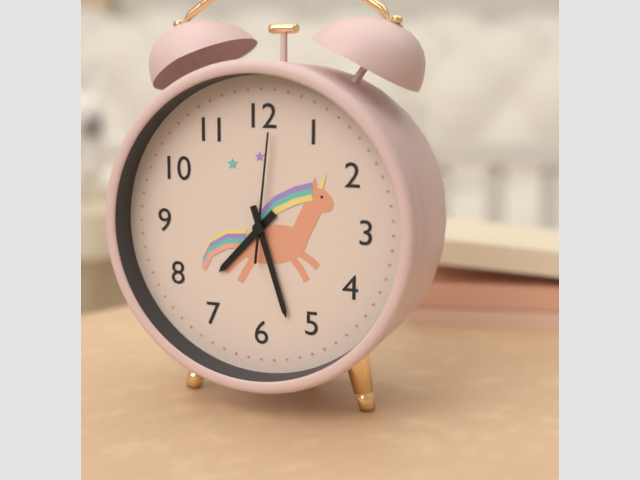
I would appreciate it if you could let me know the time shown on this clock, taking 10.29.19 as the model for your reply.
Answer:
7.27.01
